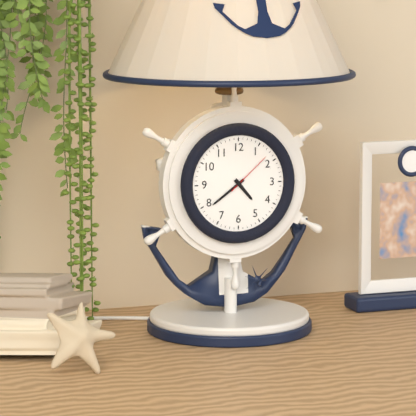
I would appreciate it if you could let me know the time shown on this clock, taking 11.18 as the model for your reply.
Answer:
4.39
